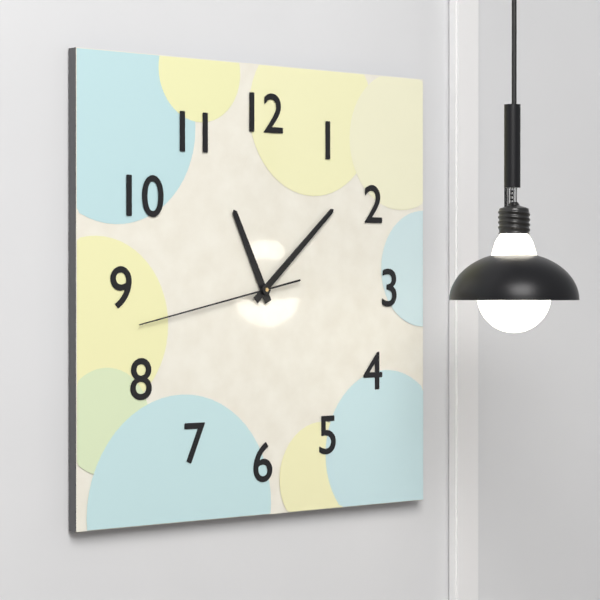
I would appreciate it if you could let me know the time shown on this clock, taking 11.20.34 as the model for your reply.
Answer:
11.08.43
